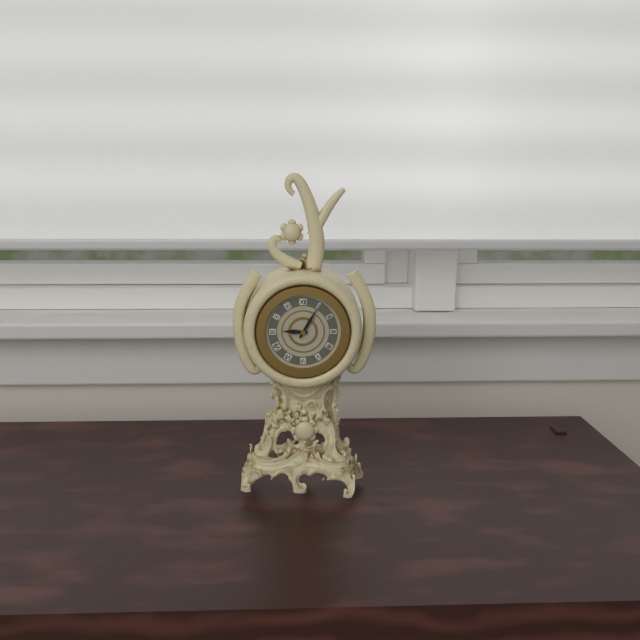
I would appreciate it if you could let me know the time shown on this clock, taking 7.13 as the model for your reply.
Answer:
9.05
